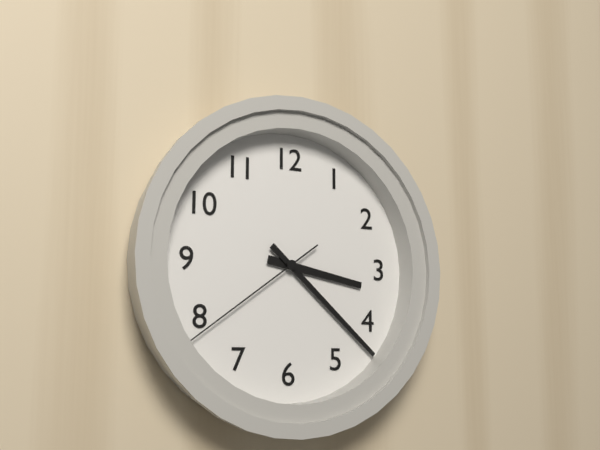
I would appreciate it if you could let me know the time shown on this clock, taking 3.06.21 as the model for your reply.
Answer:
3.22.39
